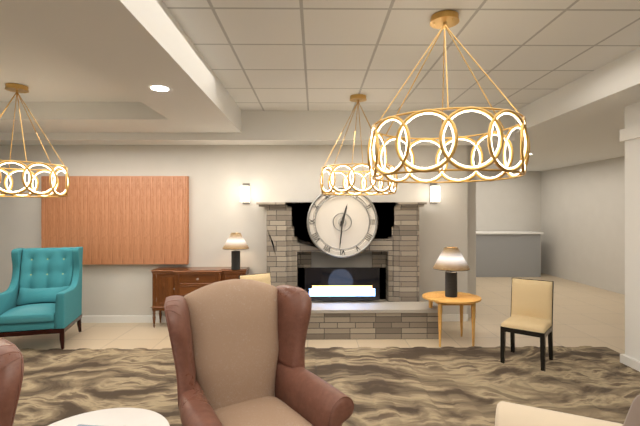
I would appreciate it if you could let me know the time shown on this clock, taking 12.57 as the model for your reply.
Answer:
12.31
